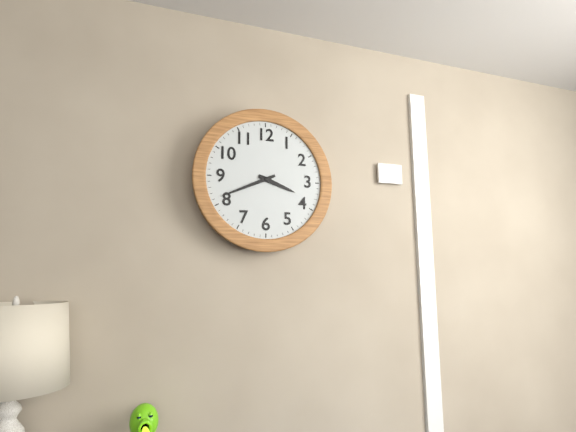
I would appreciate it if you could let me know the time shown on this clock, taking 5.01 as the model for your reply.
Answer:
3.41
